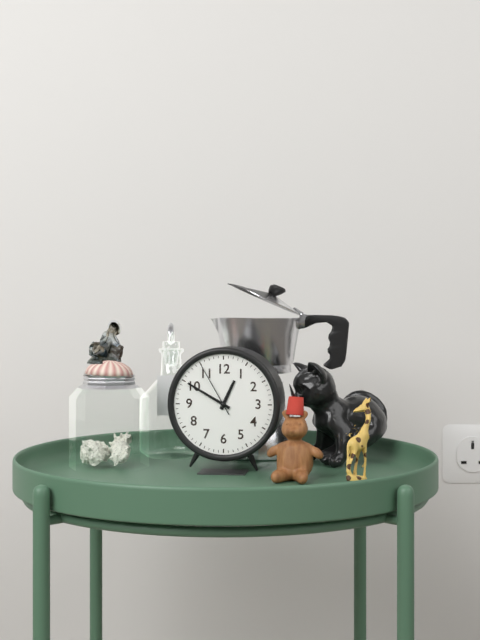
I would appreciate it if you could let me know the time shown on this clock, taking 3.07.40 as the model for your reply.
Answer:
12.50.55
